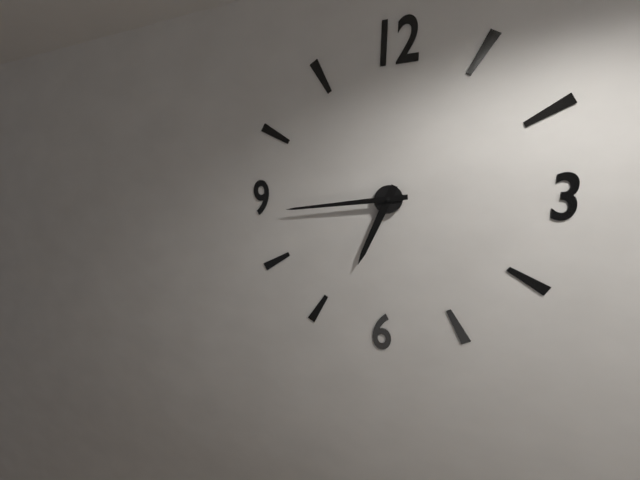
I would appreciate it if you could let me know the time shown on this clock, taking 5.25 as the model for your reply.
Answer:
6.44
